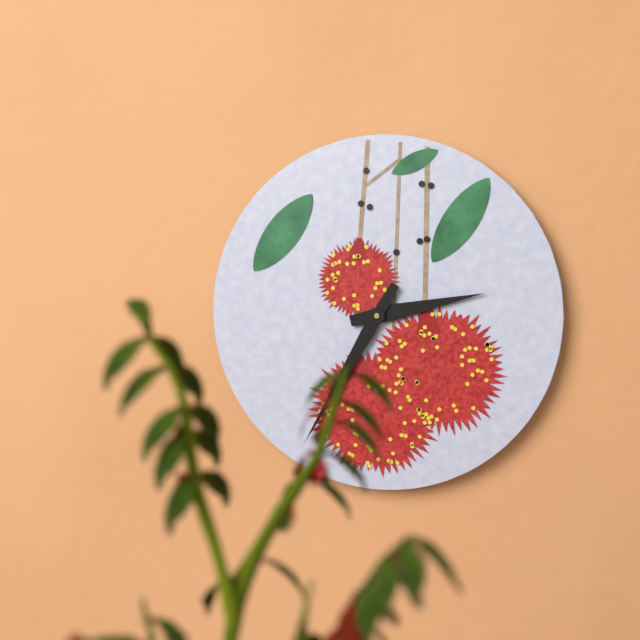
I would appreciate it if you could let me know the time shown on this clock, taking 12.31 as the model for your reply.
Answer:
2.35
